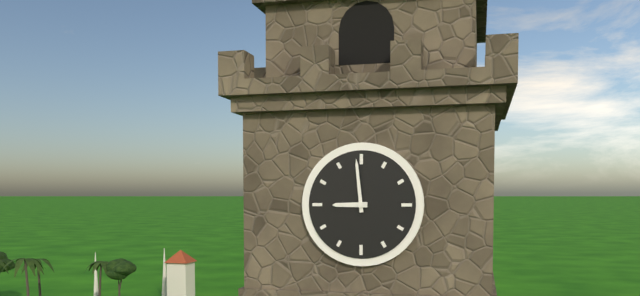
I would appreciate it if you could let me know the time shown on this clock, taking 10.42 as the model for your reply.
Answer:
8.59
